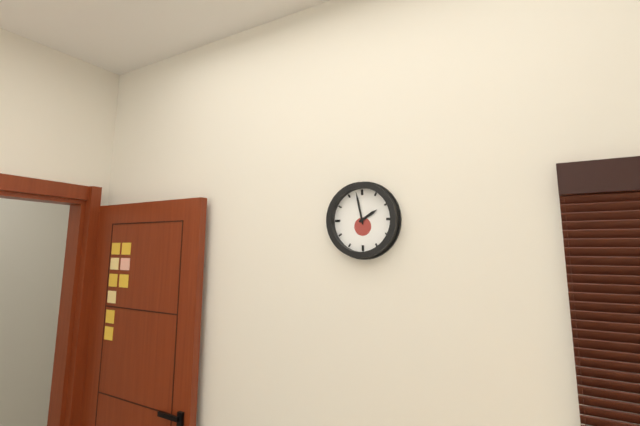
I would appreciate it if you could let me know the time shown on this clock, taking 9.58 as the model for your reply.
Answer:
1.58
